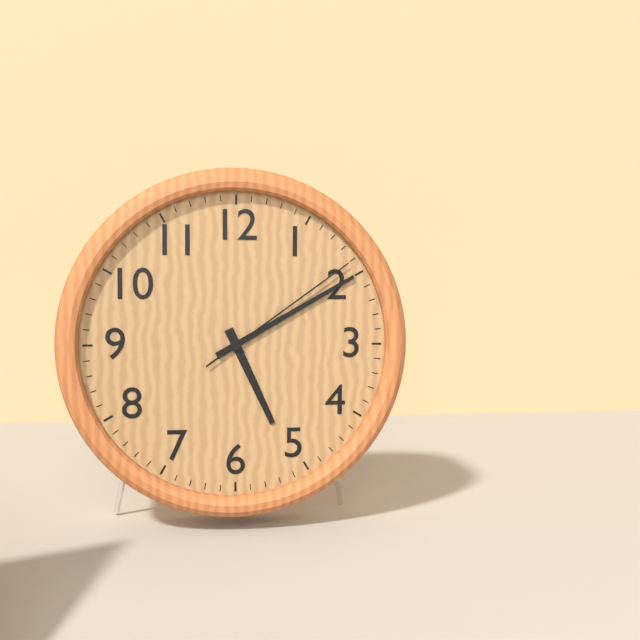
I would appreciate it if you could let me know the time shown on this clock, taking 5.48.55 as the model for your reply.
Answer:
5.10.09
